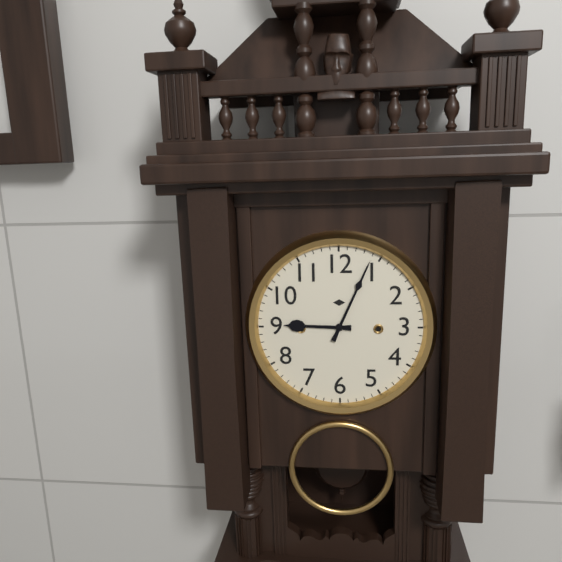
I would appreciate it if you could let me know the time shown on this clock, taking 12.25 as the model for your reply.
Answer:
9.04
